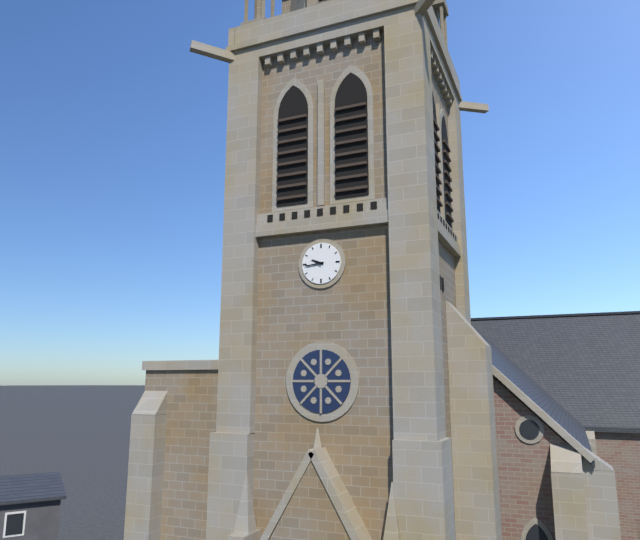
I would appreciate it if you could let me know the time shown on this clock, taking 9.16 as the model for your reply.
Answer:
9.44
